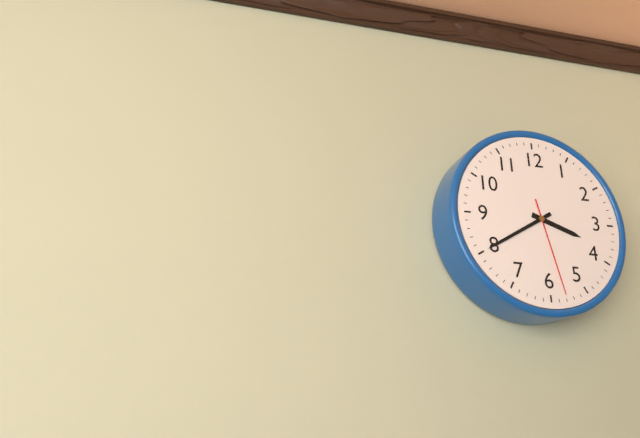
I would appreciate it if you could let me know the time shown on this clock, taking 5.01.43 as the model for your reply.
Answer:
3.40.28
